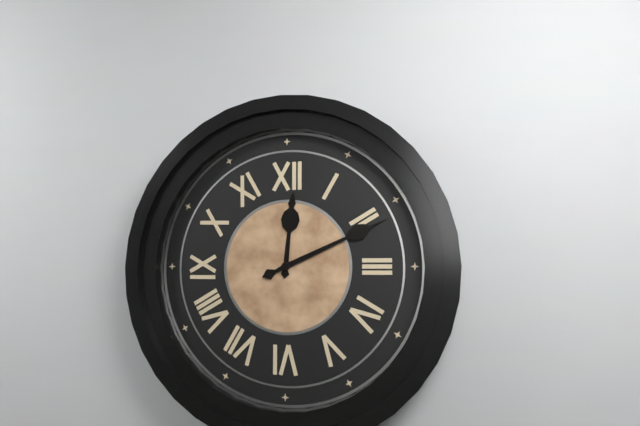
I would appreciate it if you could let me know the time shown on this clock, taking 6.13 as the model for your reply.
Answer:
12.11
